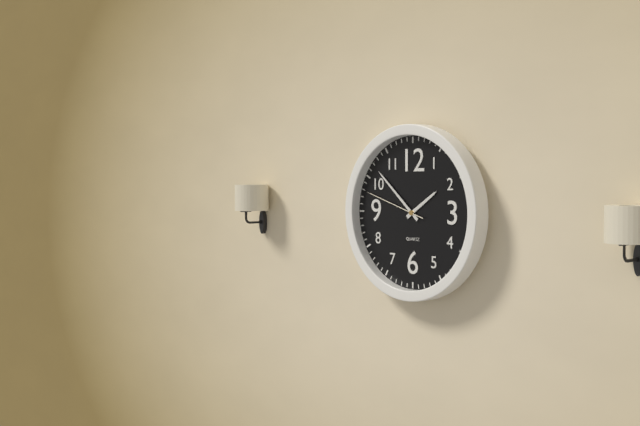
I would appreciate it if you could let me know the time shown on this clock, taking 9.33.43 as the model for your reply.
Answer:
1.52.48
